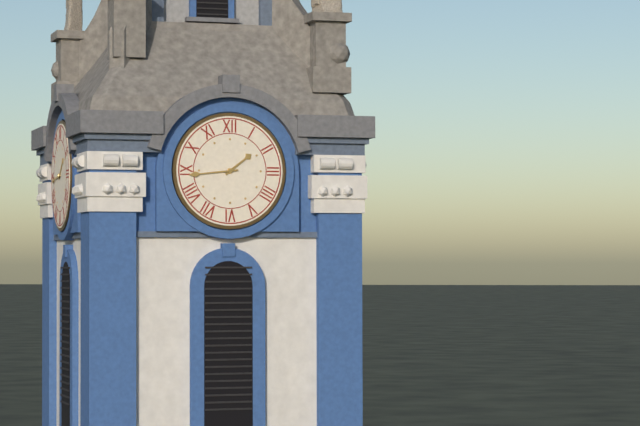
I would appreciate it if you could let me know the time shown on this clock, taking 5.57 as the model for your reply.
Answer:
1.44
